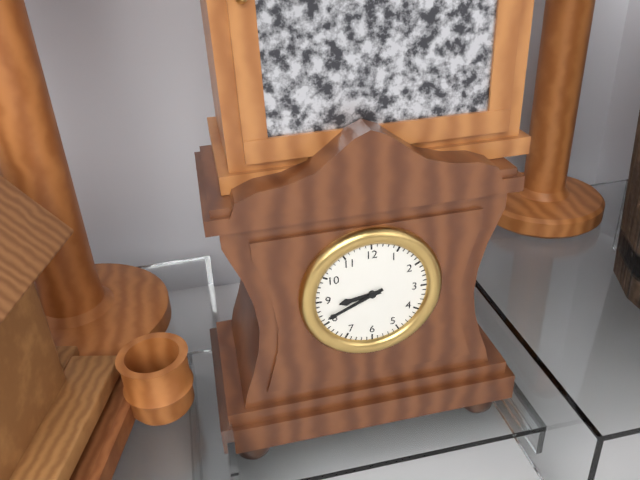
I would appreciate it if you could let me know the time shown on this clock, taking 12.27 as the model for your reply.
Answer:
8.41
